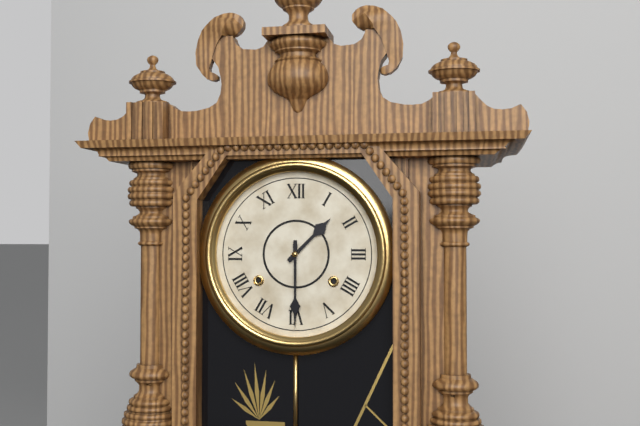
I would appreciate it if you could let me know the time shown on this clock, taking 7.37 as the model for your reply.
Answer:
1.30
